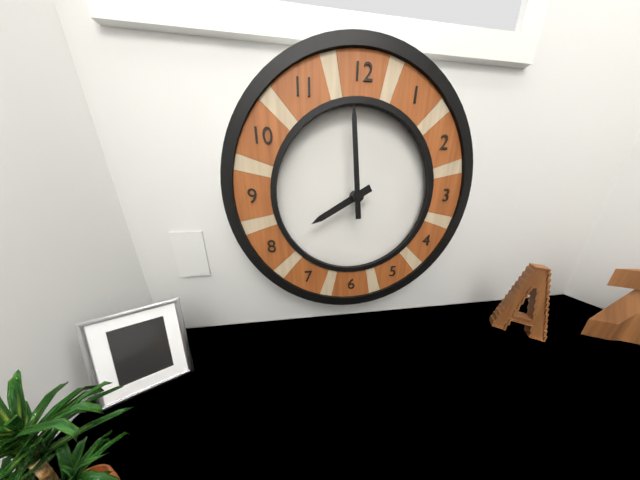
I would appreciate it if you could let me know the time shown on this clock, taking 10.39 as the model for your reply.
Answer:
7.59
